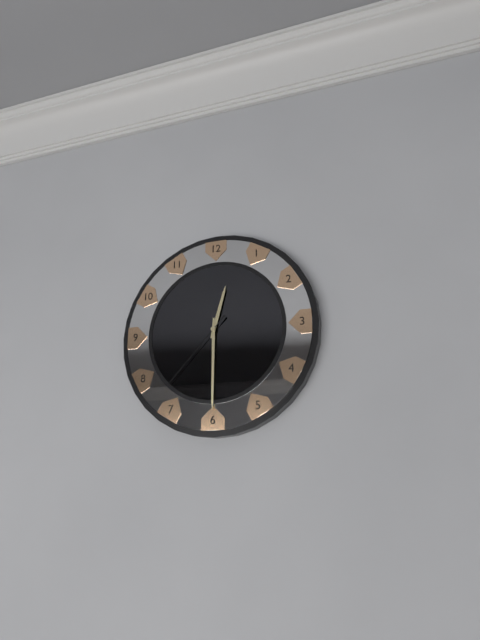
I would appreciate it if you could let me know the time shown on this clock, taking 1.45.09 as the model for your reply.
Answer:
12.30.37
